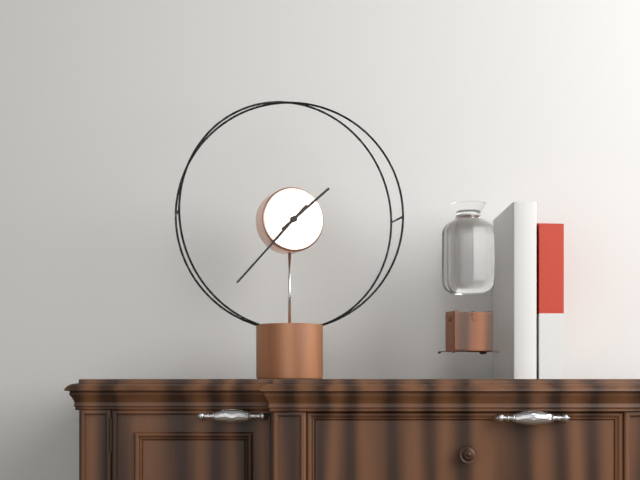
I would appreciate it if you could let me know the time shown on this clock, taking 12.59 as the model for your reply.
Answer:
1.37
